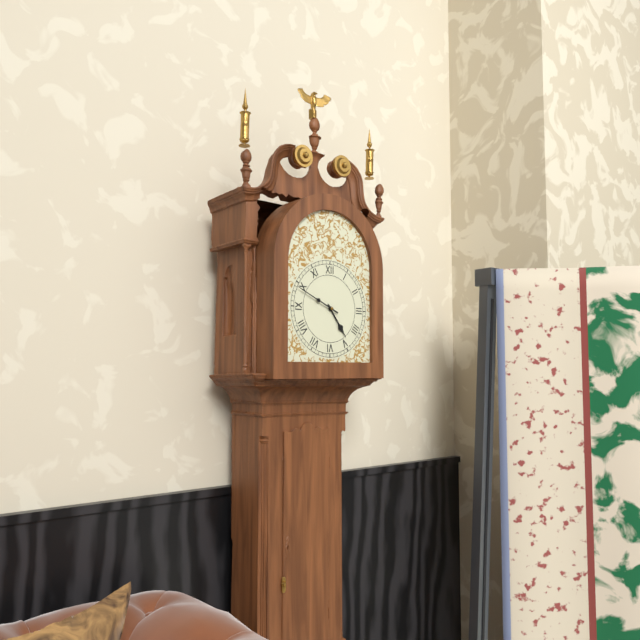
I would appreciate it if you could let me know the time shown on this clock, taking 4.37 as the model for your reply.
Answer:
4.49
